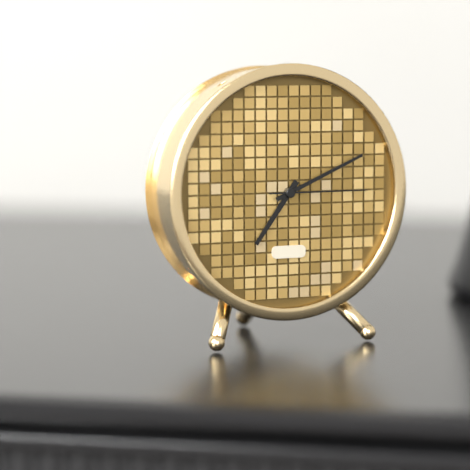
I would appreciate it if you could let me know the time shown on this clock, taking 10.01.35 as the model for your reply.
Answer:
7.11.15
